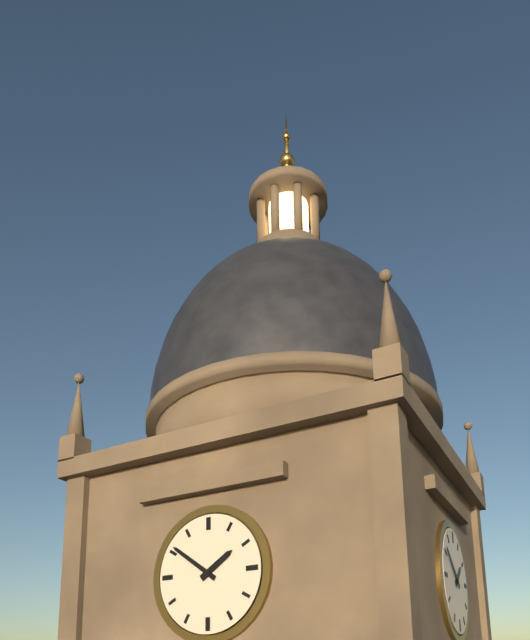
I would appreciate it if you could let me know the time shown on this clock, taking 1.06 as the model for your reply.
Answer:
1.51
